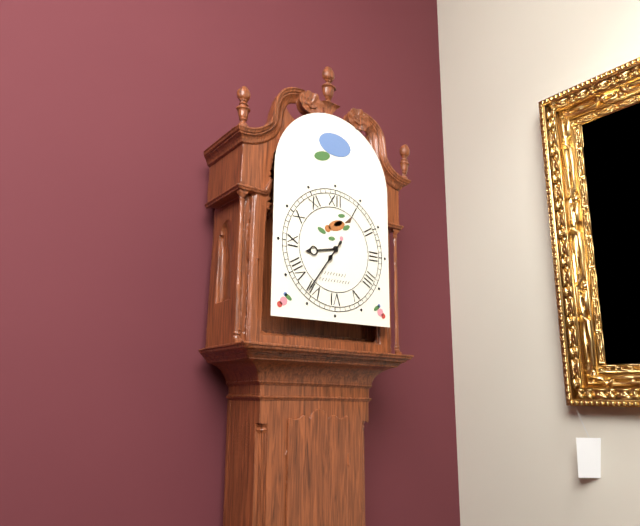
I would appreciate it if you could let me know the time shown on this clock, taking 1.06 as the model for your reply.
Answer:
8.36
